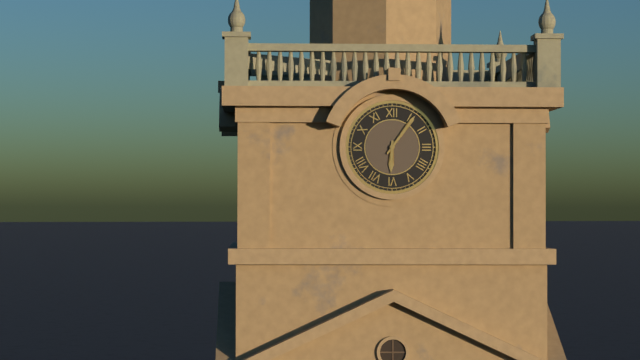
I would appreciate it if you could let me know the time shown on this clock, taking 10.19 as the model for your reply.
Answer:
6.06
